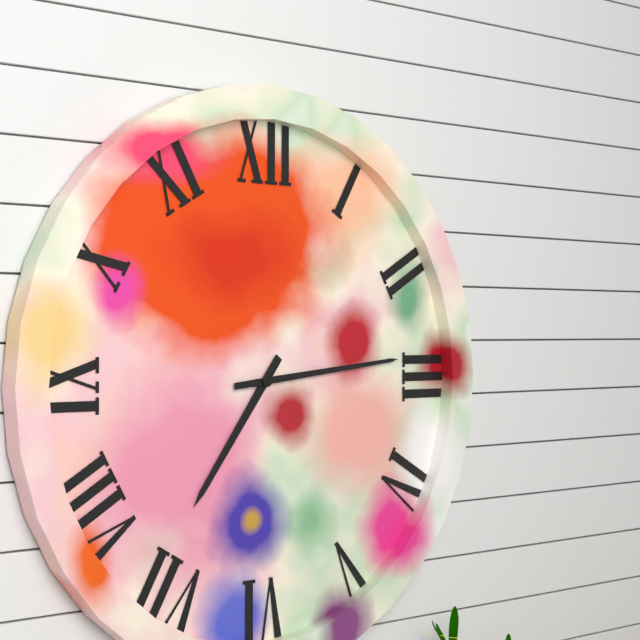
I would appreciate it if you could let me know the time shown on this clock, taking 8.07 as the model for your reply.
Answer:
7.14
